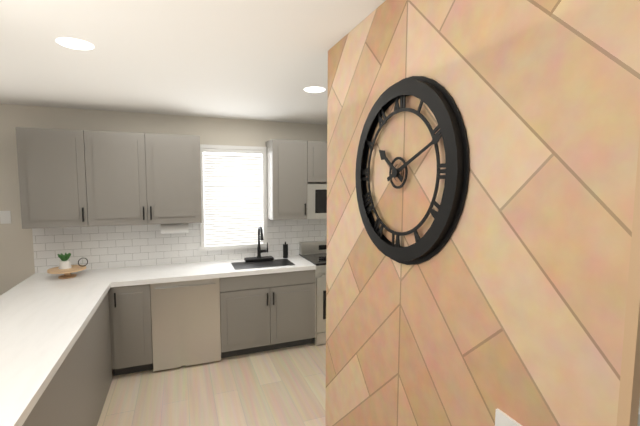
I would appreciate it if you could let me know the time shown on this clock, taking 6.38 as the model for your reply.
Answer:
10.11
